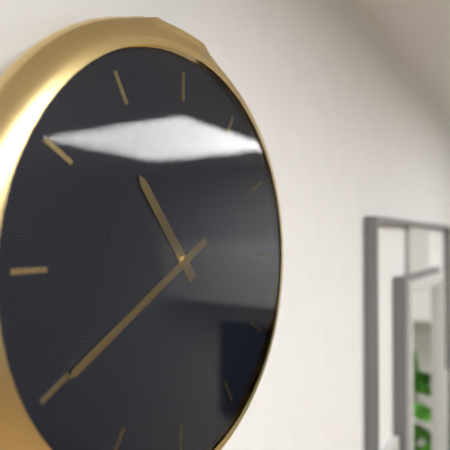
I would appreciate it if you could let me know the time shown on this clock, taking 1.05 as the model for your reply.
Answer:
10.40
